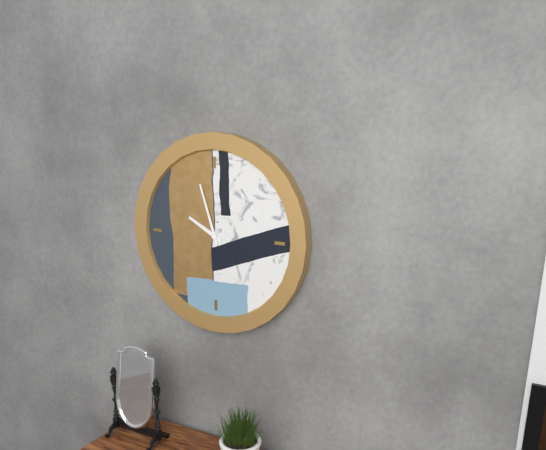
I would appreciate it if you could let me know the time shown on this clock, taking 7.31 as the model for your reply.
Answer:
9.57
